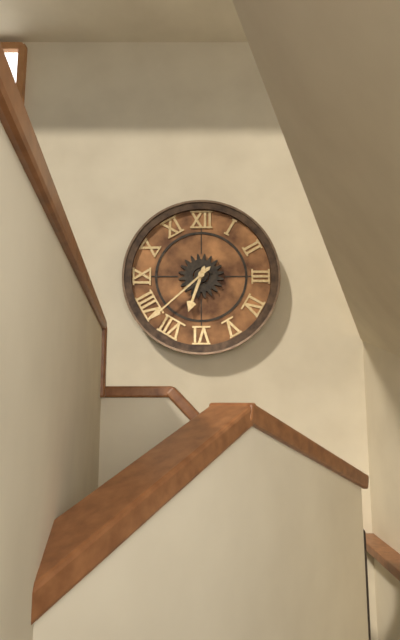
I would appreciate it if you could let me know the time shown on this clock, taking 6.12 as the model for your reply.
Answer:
6.38
